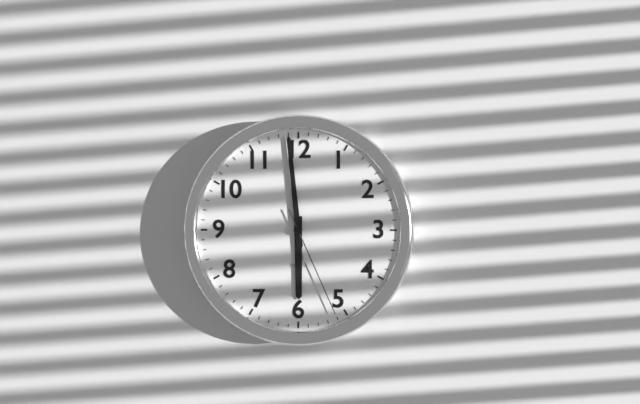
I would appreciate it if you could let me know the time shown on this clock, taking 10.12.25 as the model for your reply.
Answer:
5.59.26
